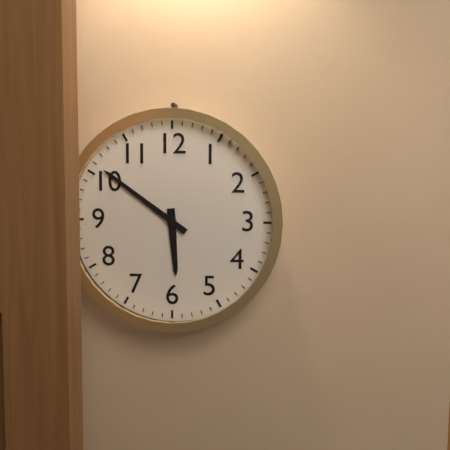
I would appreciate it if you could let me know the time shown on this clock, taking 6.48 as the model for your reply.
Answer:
5.51
